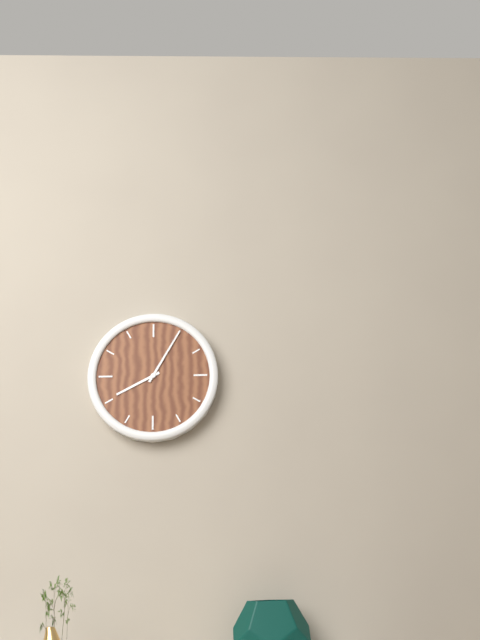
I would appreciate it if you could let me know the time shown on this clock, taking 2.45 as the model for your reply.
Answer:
8.05
